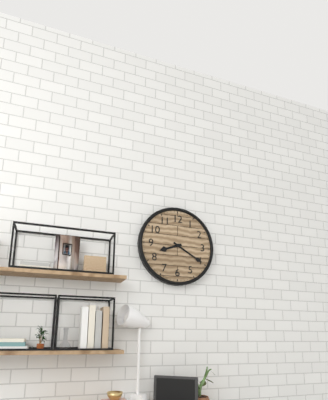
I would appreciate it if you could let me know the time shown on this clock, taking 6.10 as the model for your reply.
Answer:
8.20
